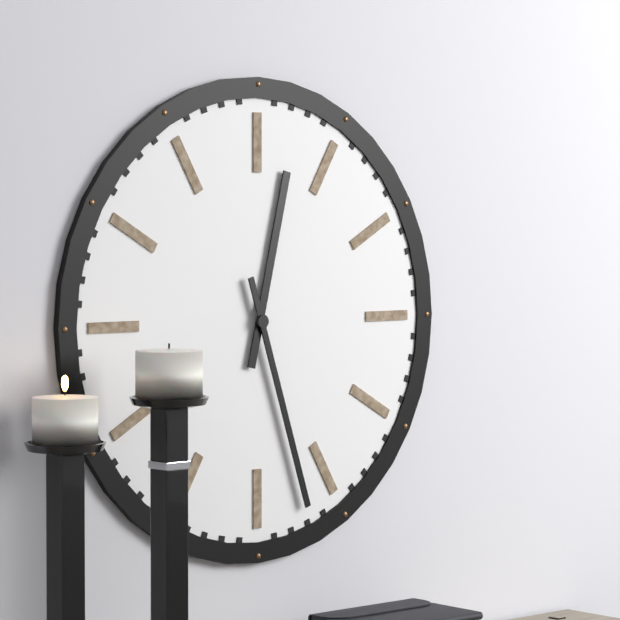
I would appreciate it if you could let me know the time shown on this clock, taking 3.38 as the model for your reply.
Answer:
12.27
